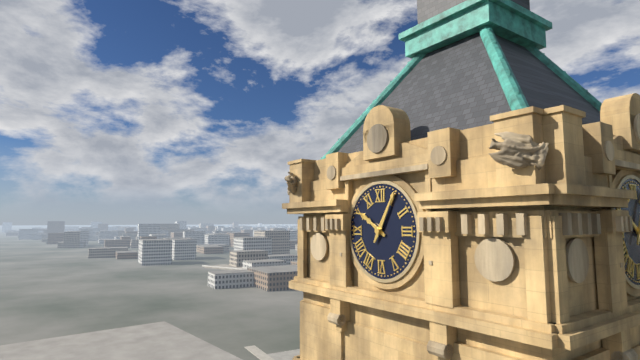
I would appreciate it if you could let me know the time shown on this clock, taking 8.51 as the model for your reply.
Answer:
10.05
